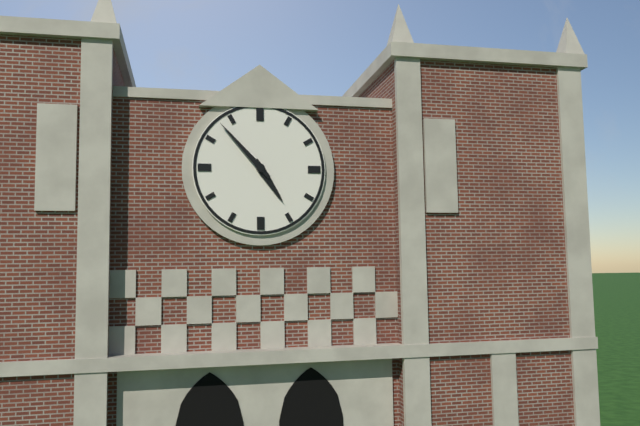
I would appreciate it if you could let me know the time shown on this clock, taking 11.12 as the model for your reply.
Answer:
4.53
